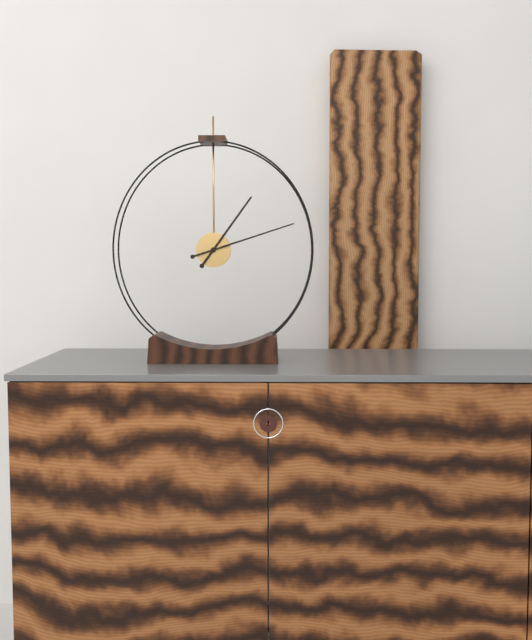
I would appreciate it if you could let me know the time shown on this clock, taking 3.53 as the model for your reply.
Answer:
1.12
